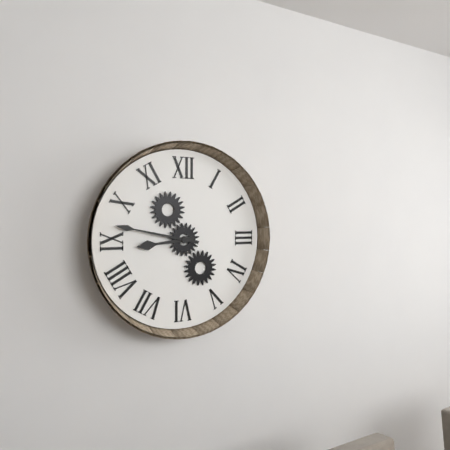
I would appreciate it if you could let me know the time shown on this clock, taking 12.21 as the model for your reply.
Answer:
8.47
